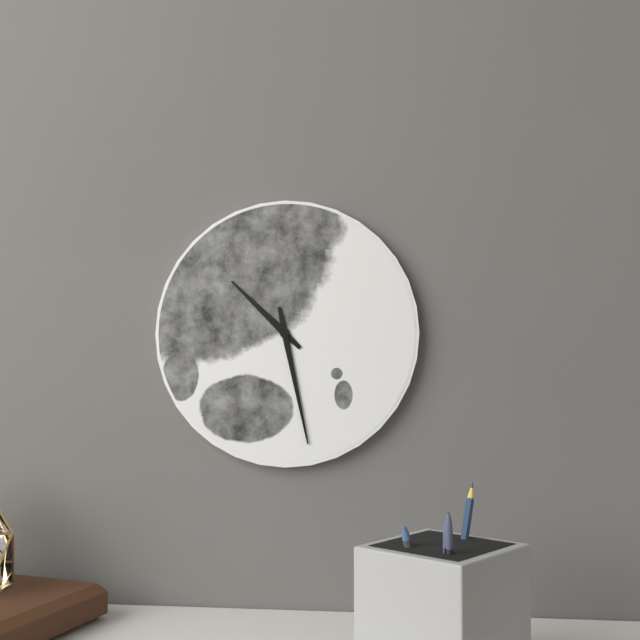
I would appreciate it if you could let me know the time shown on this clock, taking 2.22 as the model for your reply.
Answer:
10.28
